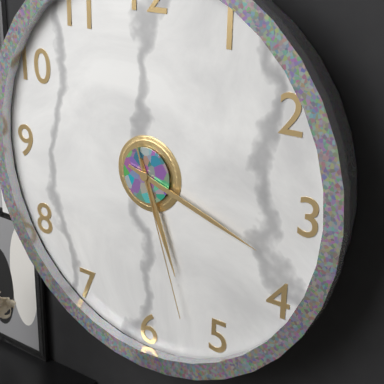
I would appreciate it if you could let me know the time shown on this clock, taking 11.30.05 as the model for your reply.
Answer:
5.18.27
